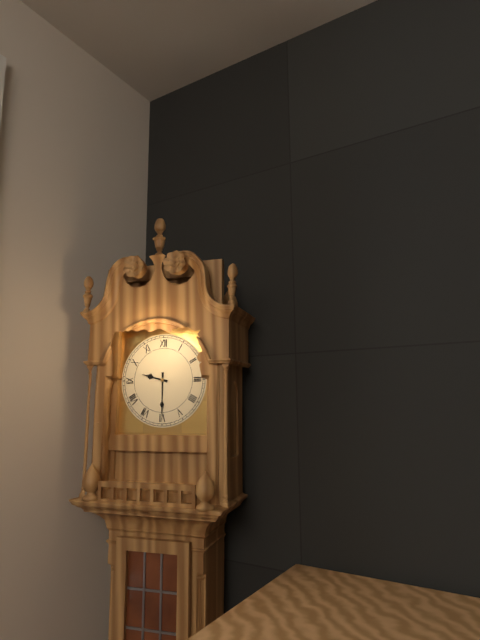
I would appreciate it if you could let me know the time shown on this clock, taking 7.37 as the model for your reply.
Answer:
9.30
